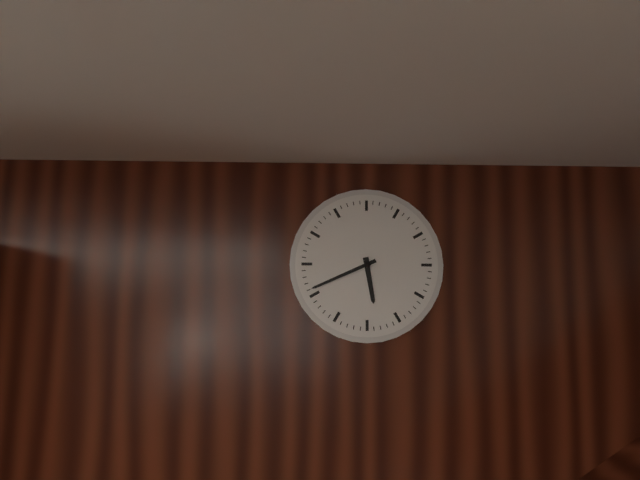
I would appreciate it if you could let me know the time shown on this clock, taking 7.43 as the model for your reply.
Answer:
5.41
